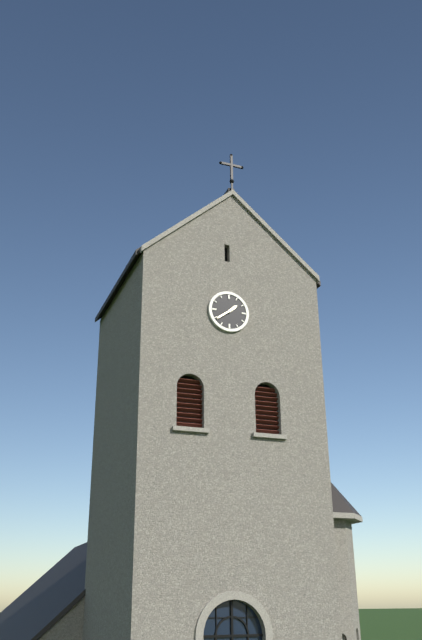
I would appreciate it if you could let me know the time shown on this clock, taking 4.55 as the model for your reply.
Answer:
1.39
